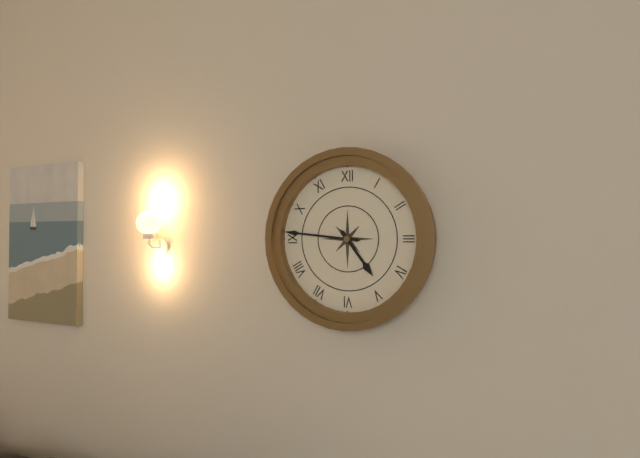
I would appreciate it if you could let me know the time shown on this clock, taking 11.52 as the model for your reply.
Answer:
4.46
